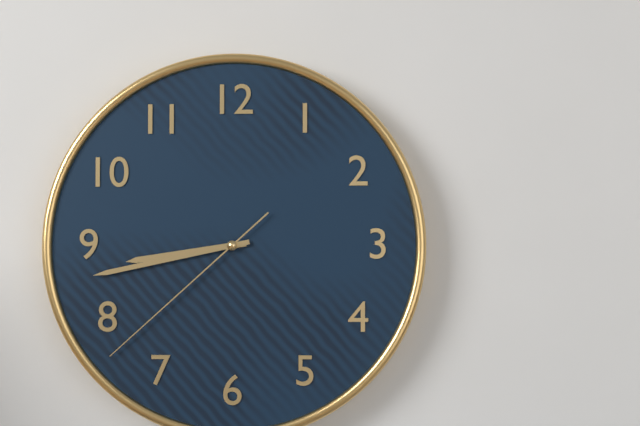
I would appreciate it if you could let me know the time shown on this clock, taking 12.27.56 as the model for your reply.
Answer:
8.43.38
